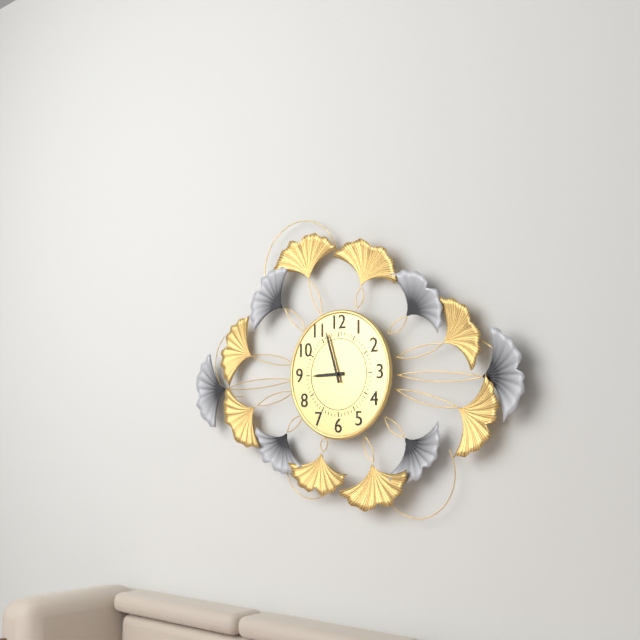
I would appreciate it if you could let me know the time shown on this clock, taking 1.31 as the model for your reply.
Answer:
8.57
